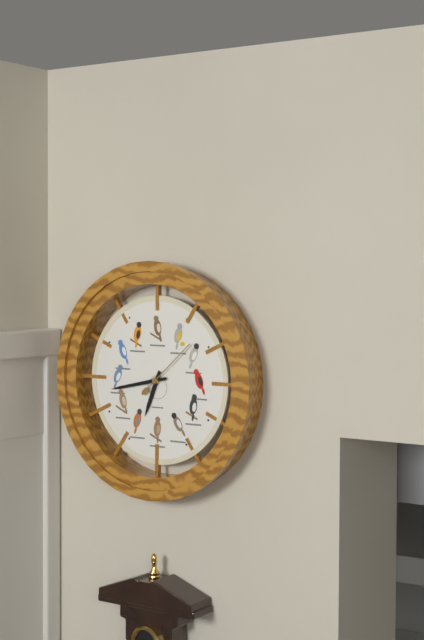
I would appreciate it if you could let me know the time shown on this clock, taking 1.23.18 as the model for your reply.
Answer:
6.43.08
